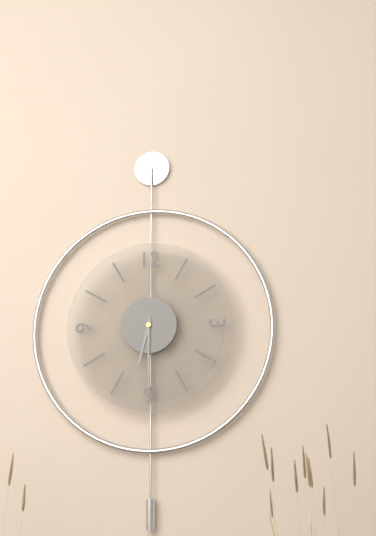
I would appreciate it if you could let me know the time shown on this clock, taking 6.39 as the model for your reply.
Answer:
6.30
